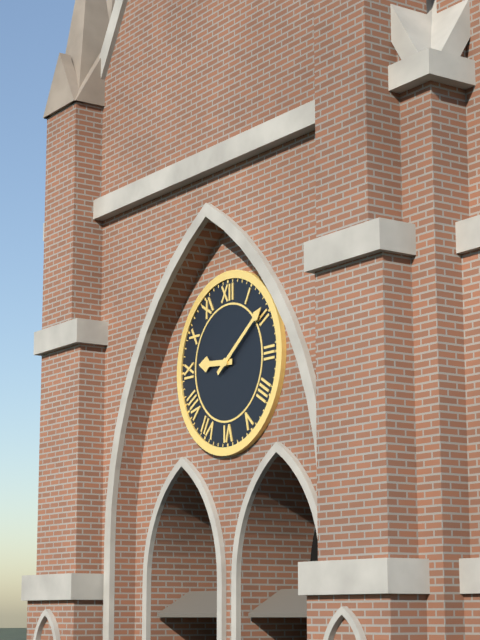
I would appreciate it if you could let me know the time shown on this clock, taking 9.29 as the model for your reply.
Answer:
9.09
